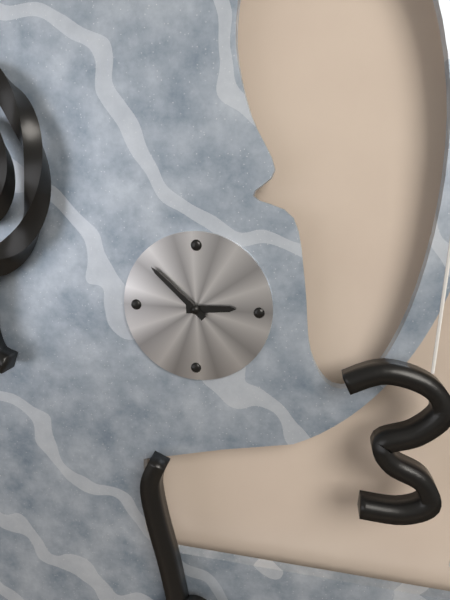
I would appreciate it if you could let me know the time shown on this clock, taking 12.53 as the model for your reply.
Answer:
2.52
